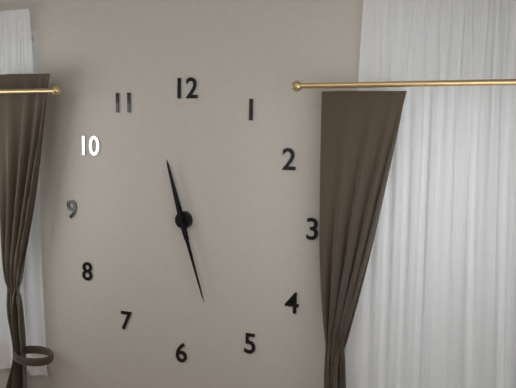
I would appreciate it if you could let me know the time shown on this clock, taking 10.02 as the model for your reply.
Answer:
11.27
